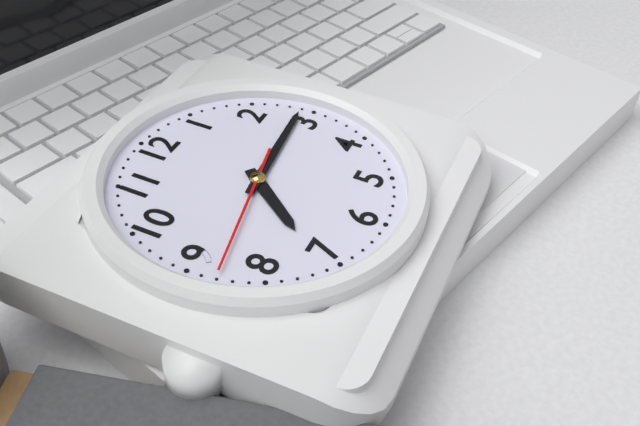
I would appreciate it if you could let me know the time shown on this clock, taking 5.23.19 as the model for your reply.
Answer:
7.14.43
